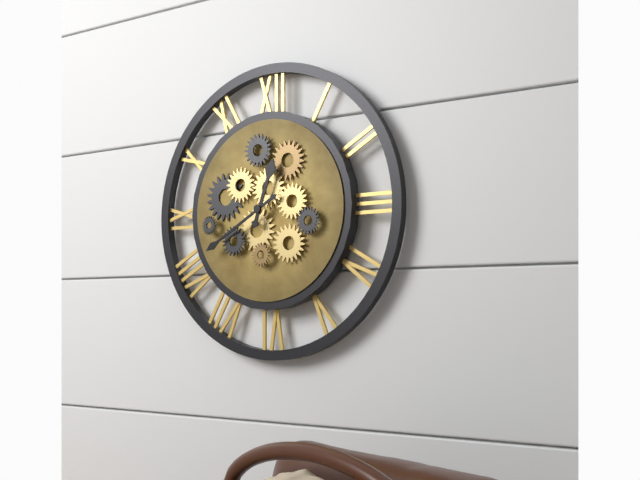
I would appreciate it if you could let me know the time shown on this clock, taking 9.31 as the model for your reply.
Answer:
12.40
